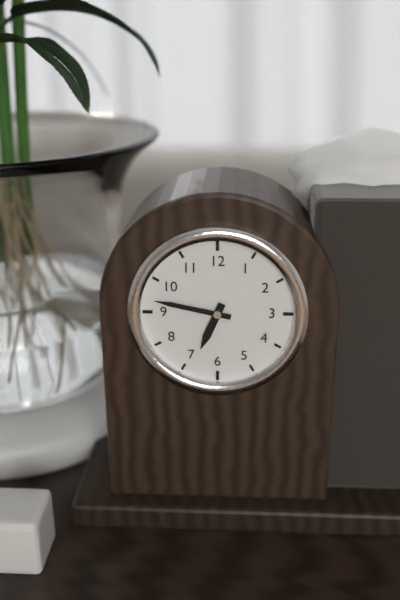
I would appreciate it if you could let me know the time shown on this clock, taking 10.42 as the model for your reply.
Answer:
6.47
